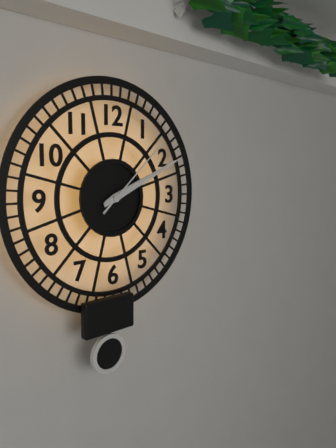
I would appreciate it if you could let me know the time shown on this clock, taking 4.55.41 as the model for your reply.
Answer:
2.11.08
